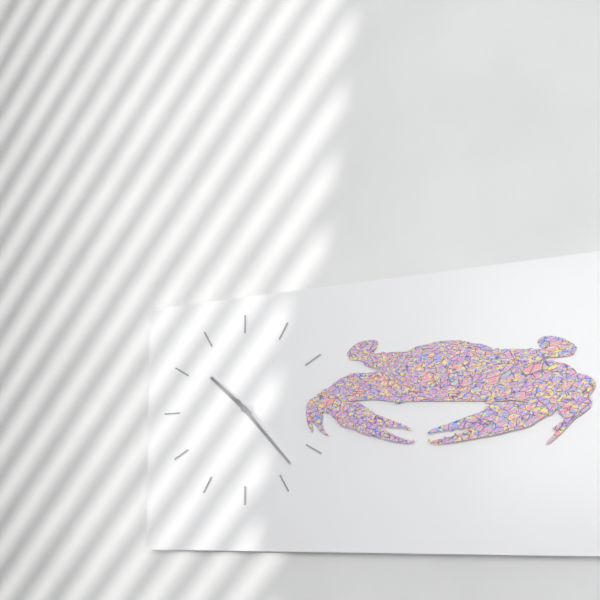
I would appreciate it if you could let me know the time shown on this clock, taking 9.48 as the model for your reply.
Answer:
10.23
